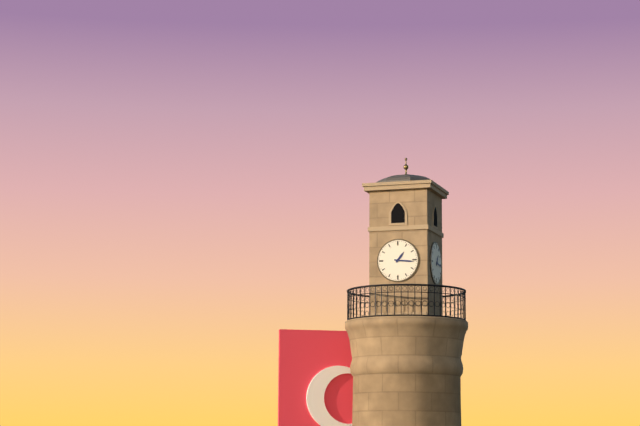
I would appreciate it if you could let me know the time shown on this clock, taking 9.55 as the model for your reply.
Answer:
1.16
